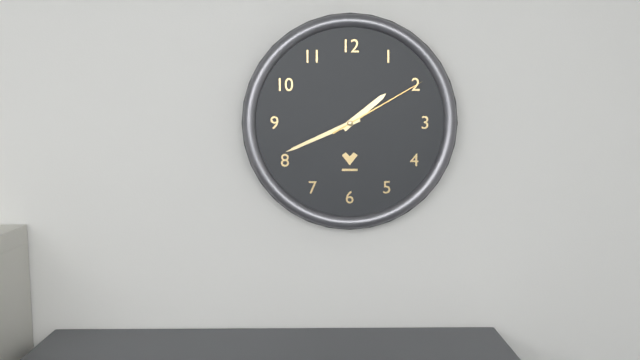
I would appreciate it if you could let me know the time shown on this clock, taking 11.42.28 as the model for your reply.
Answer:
1.41.10
